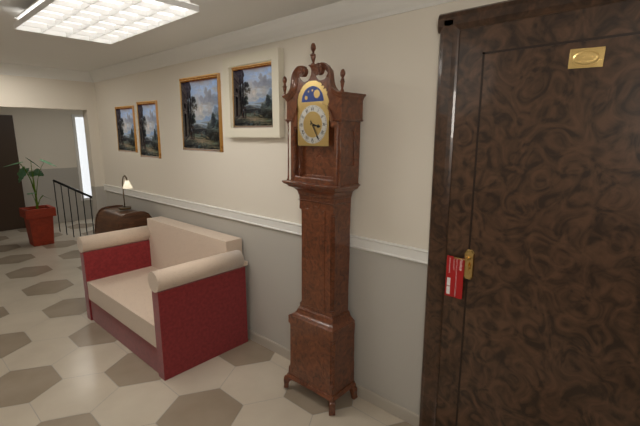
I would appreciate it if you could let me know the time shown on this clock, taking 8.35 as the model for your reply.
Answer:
3.25
